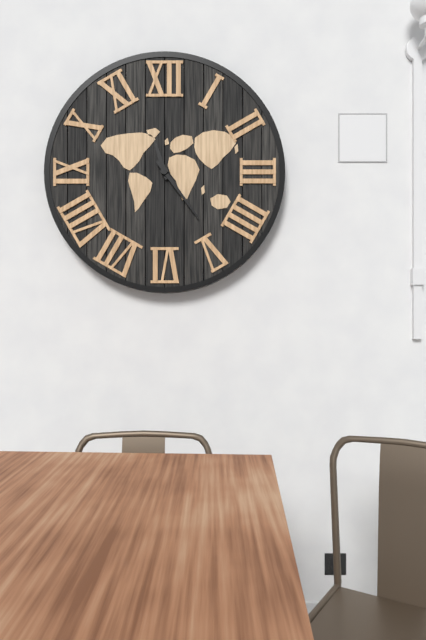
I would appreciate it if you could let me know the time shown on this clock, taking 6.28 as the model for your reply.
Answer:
11.24
